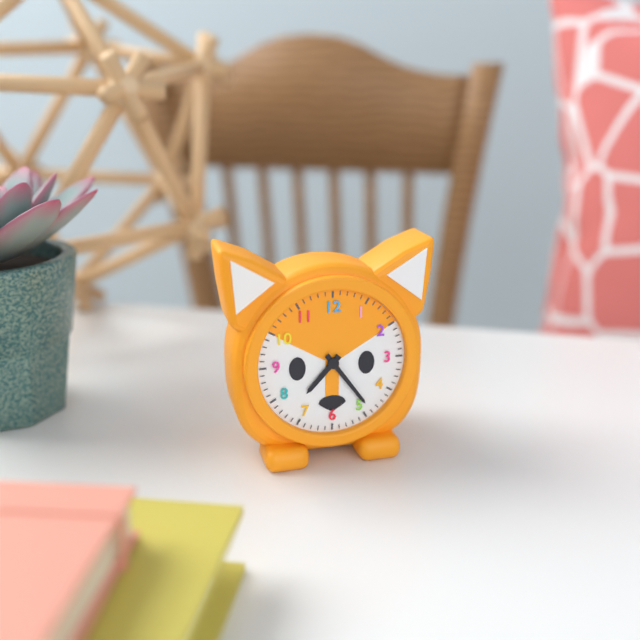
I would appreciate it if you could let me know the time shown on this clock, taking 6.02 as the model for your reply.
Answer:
7.24
